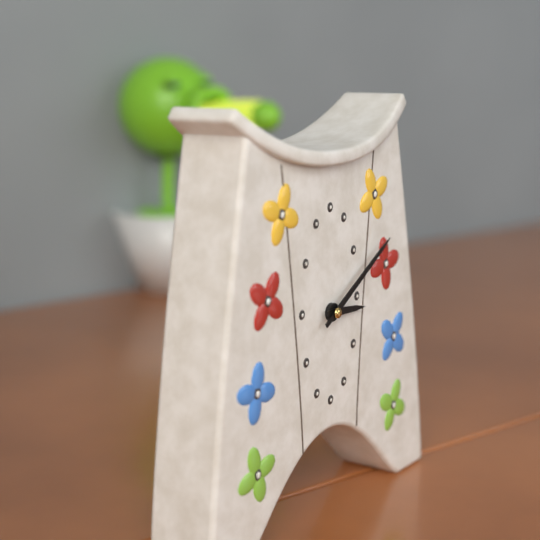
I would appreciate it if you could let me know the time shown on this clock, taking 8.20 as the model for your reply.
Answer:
3.10
